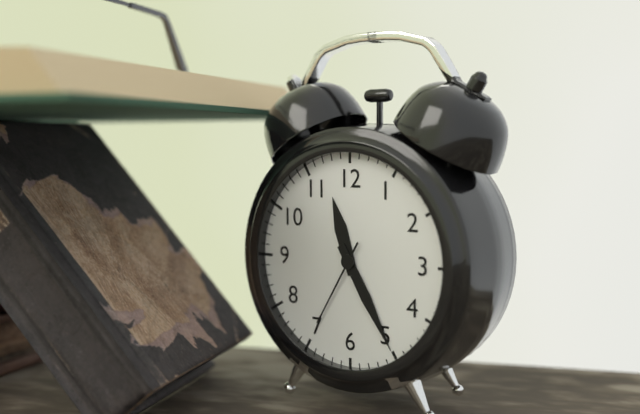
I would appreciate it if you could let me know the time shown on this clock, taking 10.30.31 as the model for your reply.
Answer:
11.25.35
